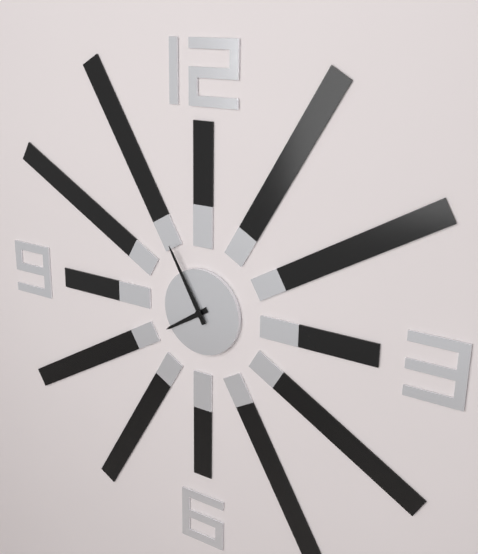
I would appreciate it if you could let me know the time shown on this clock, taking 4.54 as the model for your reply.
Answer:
7.55
